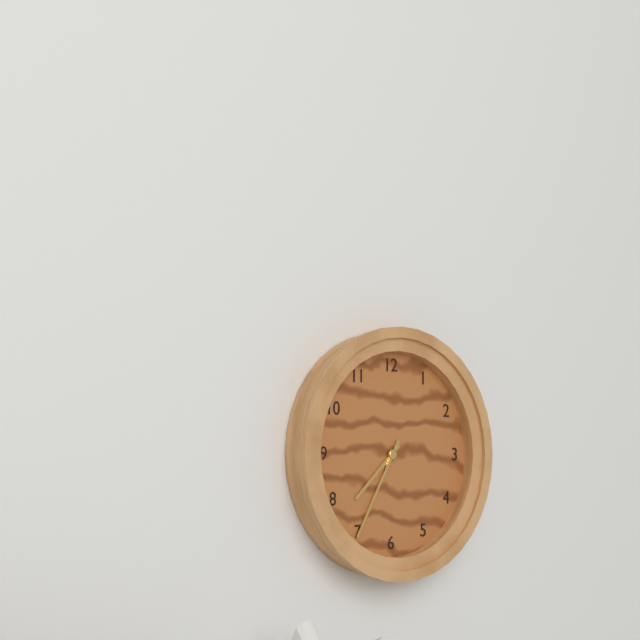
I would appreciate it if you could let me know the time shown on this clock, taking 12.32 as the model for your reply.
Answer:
7.35
